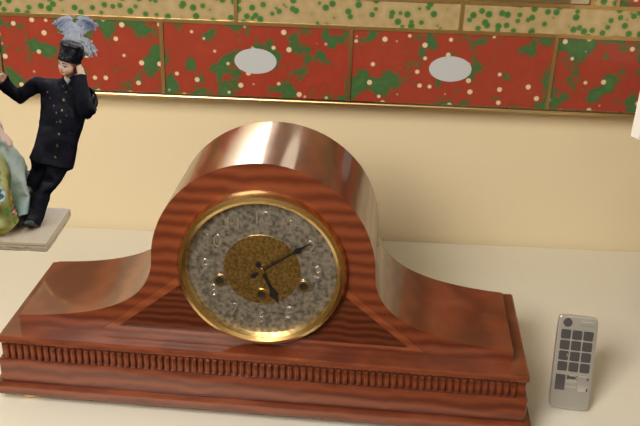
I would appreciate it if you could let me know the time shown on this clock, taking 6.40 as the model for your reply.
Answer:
5.09
